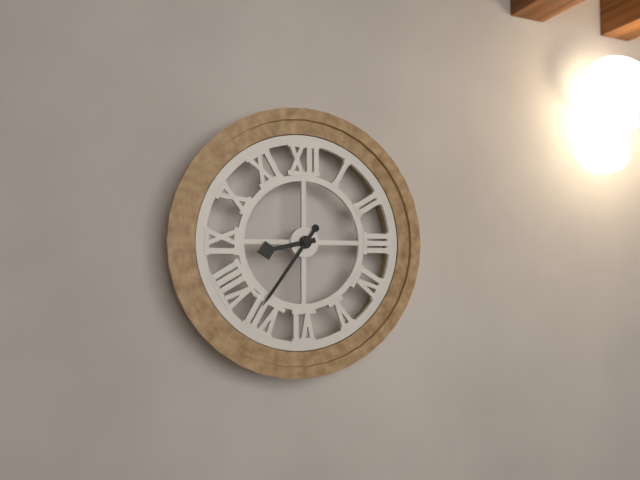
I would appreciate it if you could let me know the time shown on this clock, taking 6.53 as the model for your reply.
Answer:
8.36
